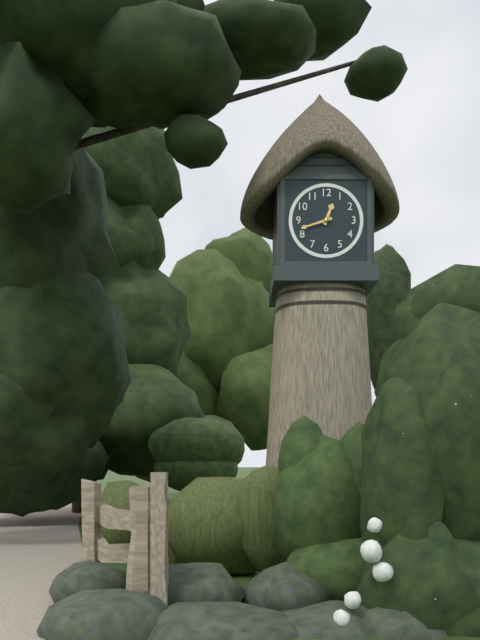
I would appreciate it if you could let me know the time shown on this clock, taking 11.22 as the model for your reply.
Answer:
12.42
